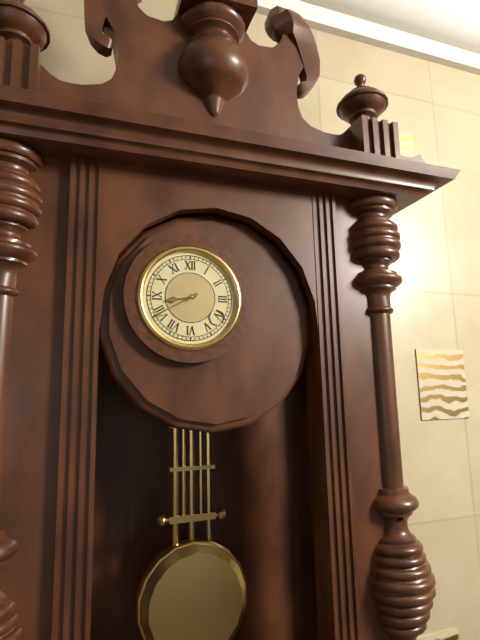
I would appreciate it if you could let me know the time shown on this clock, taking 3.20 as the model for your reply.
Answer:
8.40
